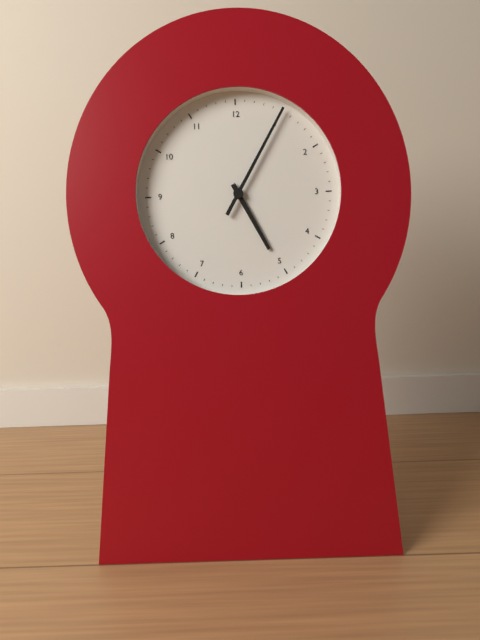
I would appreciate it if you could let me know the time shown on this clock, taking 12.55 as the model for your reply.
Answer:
5.05
